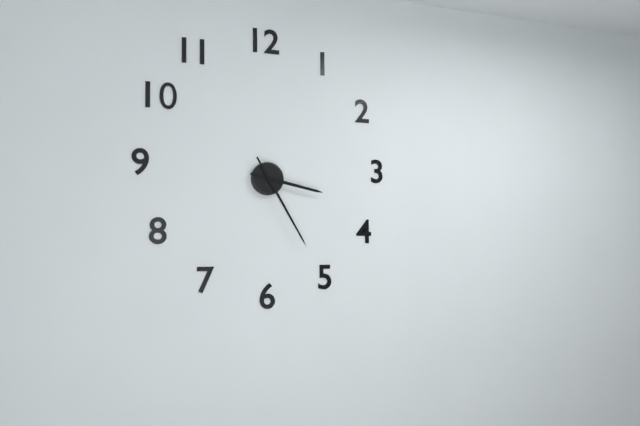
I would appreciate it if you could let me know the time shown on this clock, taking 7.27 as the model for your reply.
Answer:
3.25
